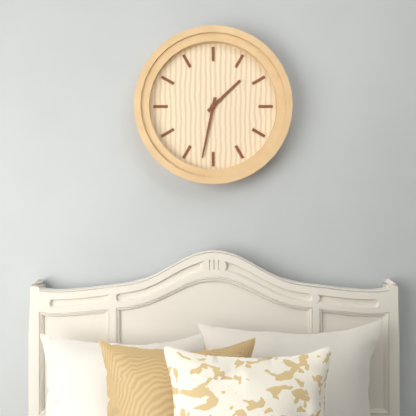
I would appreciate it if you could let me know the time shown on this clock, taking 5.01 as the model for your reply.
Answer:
1.32
